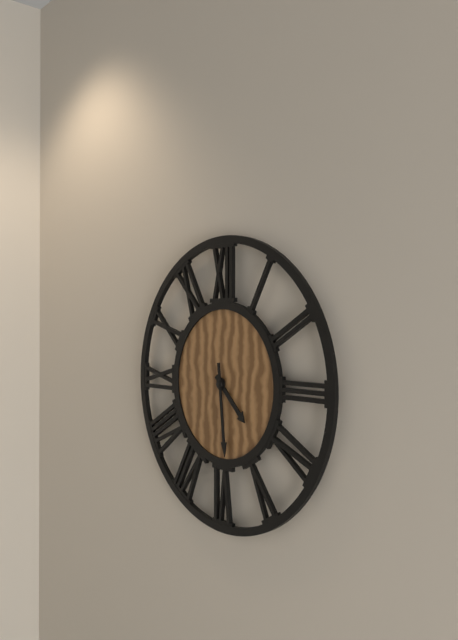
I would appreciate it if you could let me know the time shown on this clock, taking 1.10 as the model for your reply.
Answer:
4.29
